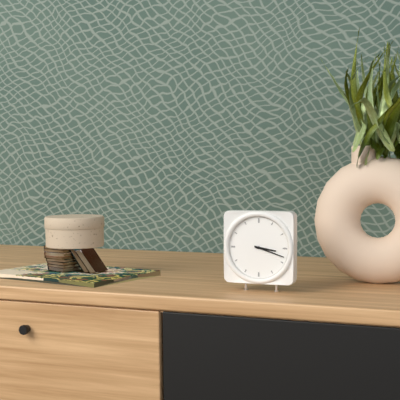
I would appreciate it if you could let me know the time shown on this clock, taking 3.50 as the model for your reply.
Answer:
3.18
